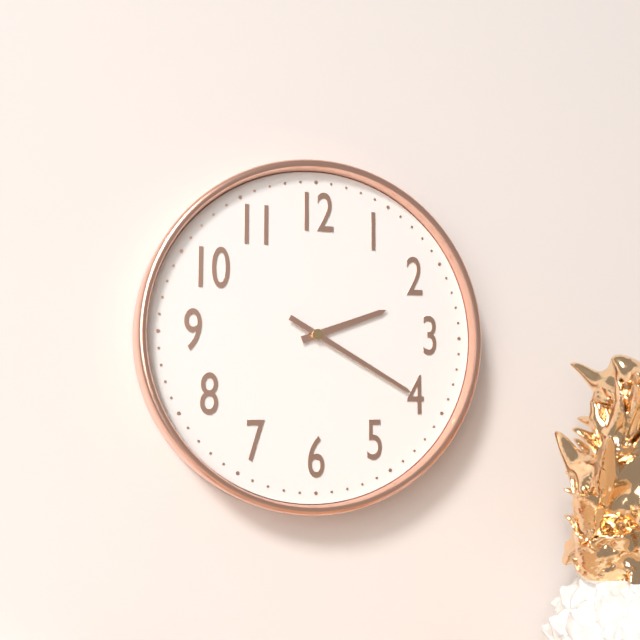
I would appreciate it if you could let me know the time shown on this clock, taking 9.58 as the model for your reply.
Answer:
2.20
